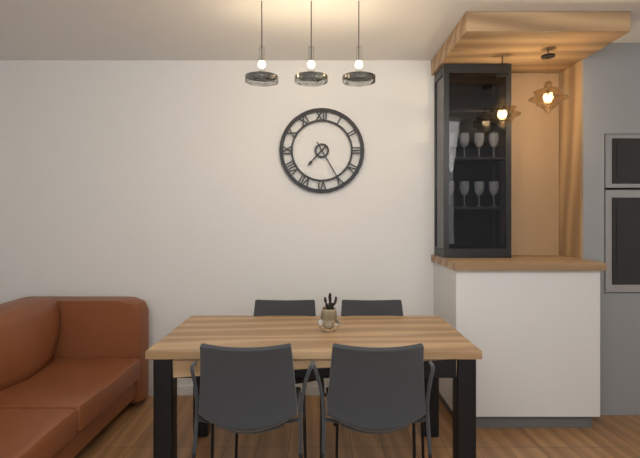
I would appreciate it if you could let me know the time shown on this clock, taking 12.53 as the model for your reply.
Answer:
7.25
